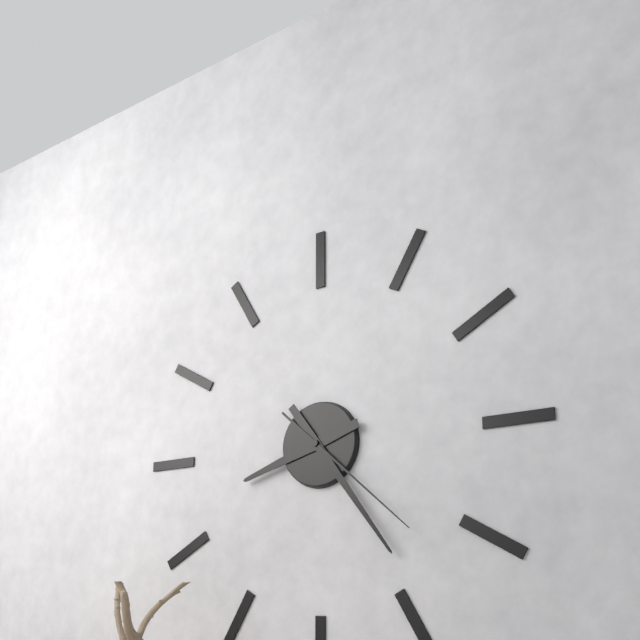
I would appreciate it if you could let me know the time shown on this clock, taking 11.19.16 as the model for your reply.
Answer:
8.24.22
